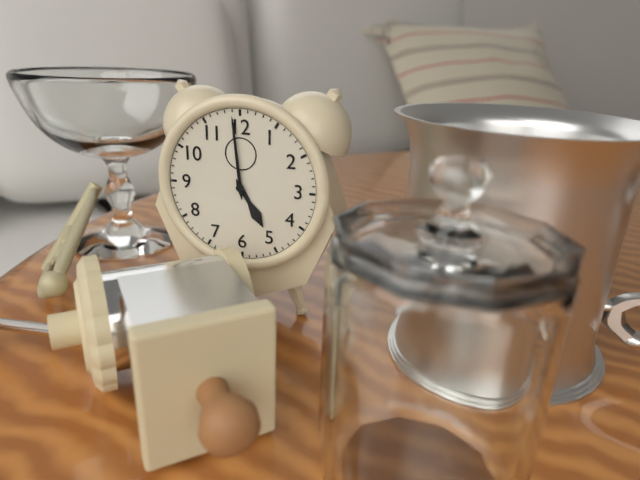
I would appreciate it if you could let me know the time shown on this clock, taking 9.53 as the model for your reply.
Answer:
4.59
